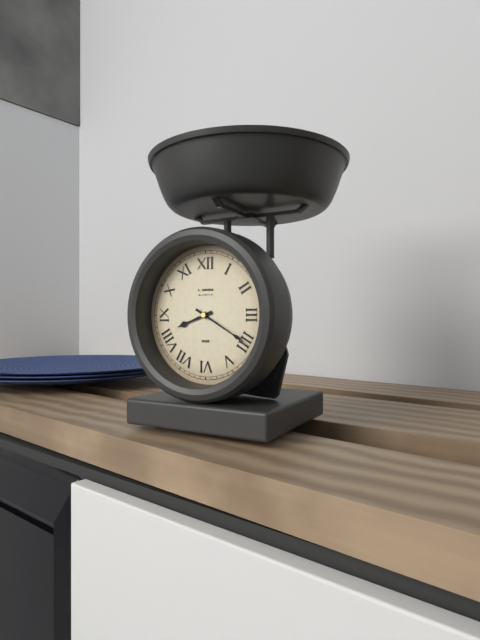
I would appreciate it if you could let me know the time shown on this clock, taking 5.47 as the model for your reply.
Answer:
8.20
